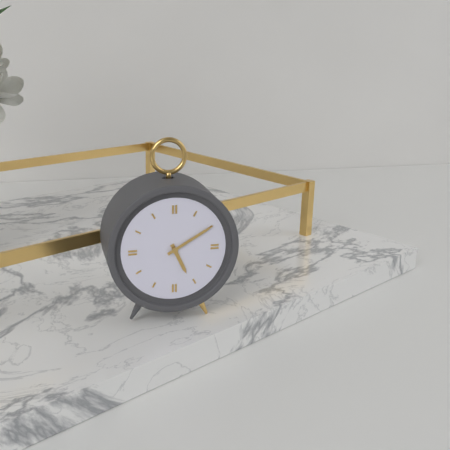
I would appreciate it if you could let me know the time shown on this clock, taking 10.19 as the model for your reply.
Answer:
5.10
